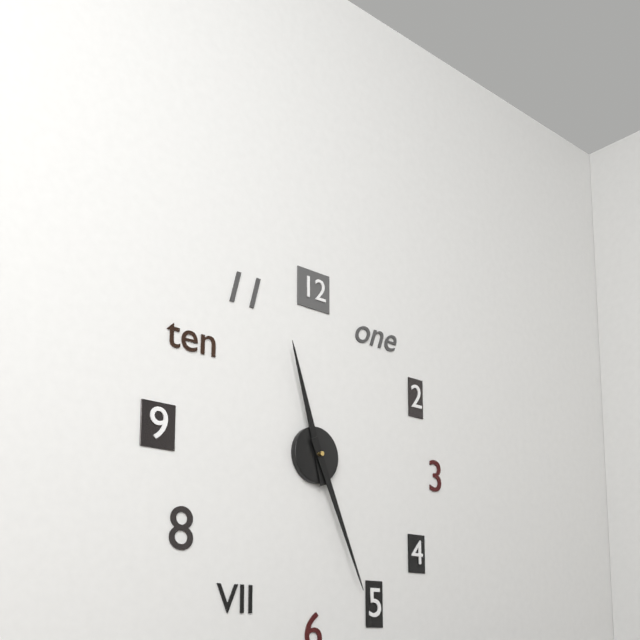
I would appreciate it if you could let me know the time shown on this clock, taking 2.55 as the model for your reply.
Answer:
11.26
